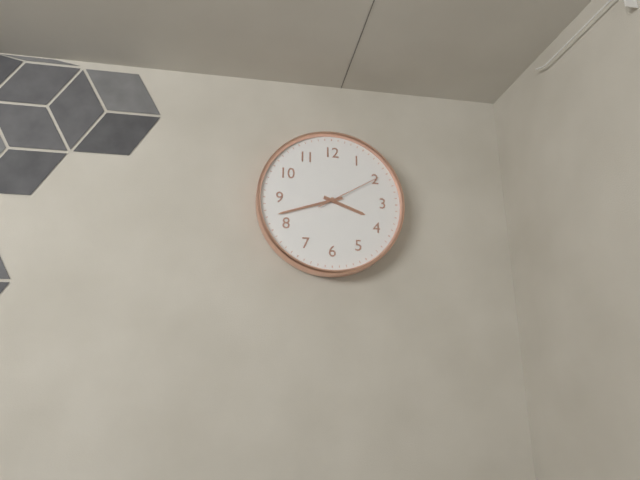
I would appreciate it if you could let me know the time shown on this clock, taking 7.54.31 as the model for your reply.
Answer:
3.42.10
